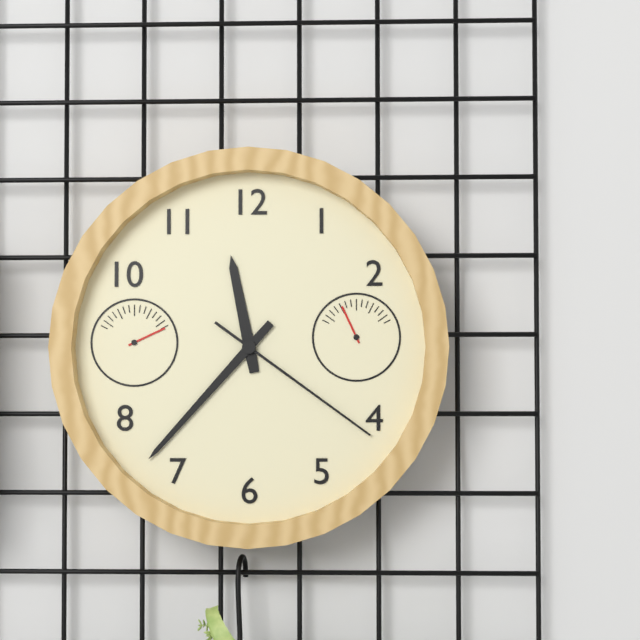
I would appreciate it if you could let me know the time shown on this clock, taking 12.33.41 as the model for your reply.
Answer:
11.37.21
